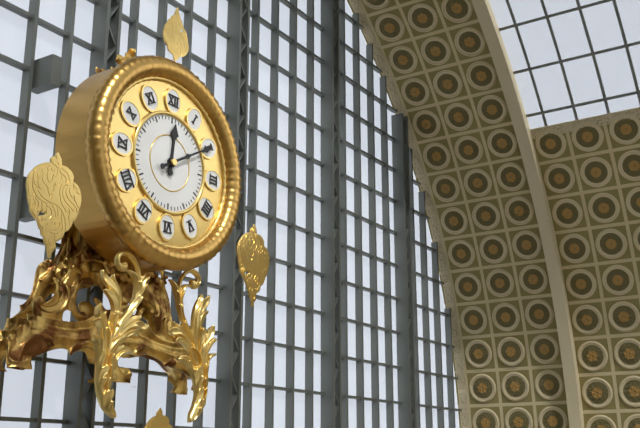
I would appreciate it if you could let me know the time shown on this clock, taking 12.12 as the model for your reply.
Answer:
12.10
